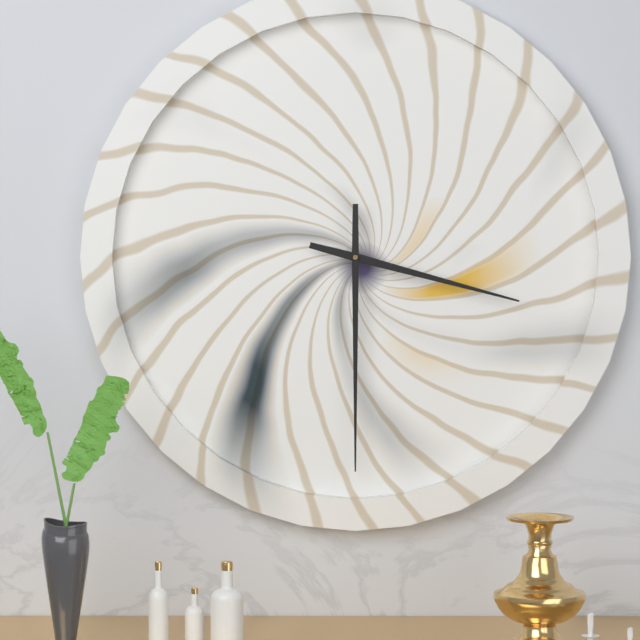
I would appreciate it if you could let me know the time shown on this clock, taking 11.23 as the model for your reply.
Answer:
3.30
